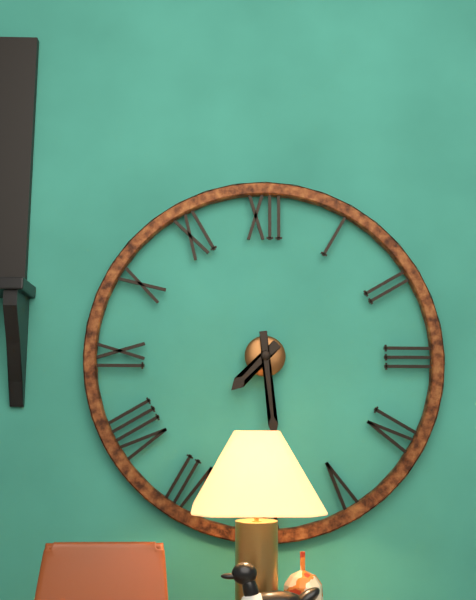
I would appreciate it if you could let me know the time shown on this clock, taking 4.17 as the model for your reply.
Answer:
7.29
